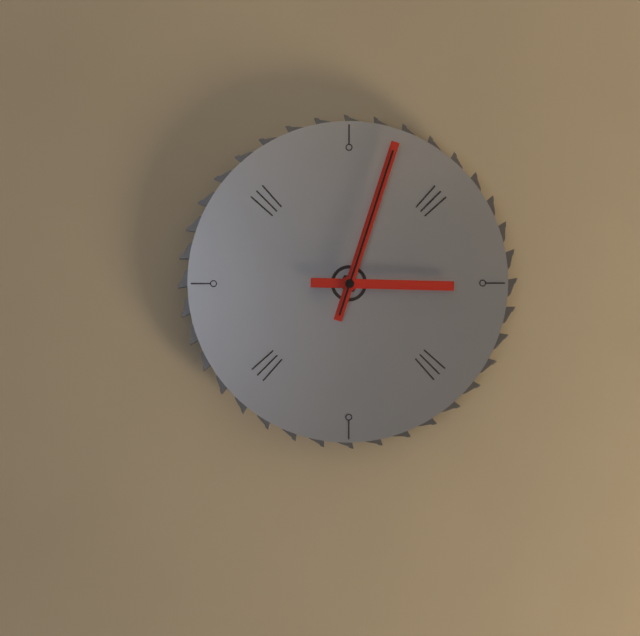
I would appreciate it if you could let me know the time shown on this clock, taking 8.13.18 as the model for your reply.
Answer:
3.03.03
